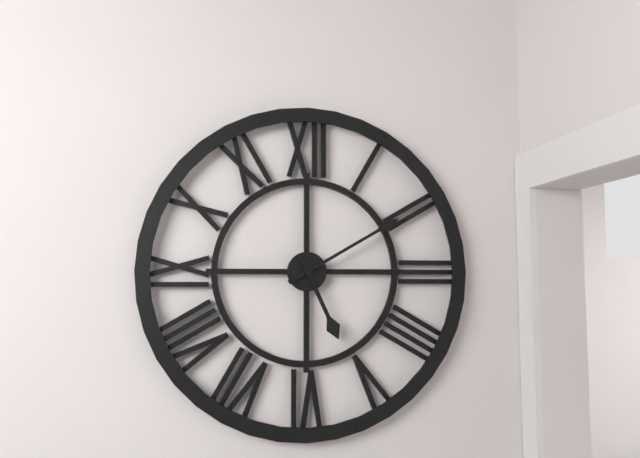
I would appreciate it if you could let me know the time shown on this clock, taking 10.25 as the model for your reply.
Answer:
5.10
